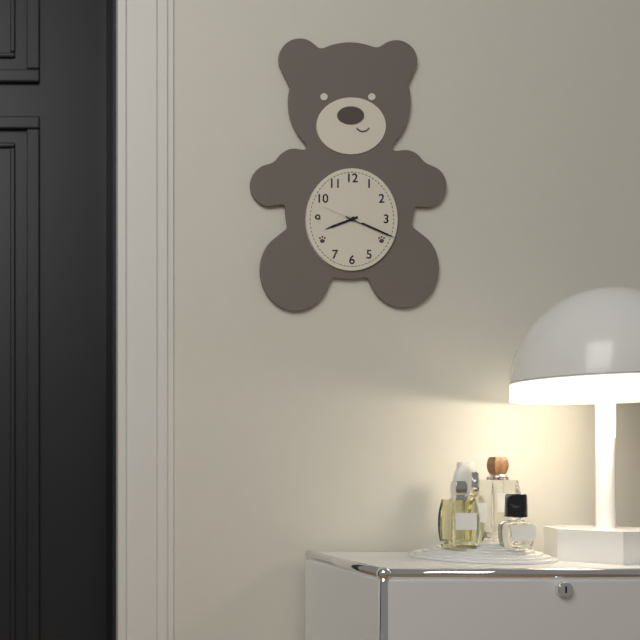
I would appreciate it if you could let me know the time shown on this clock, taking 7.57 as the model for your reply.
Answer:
8.19
